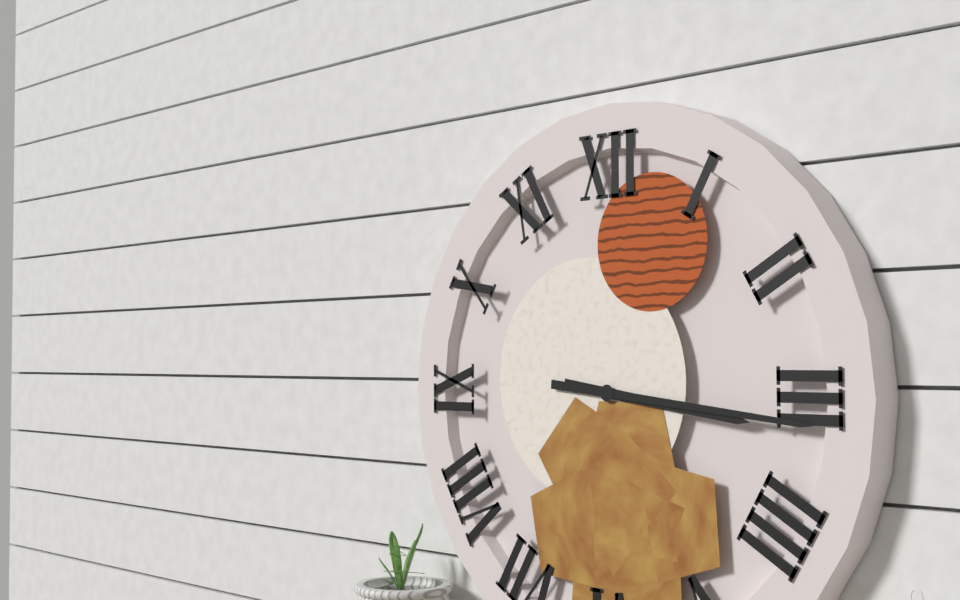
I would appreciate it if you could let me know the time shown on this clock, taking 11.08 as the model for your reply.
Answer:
3.16
